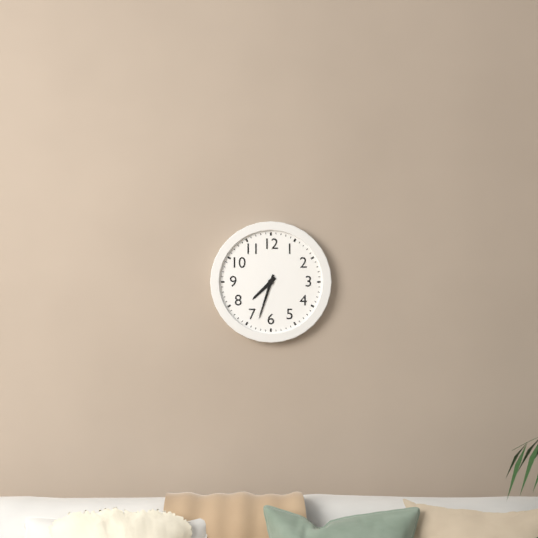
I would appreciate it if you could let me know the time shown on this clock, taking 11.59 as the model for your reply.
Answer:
7.33
